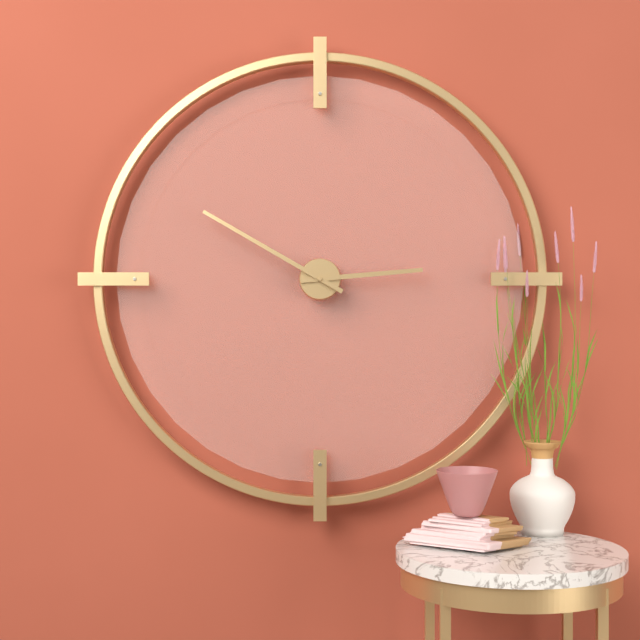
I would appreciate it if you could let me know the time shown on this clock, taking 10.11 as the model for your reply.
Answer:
2.50
